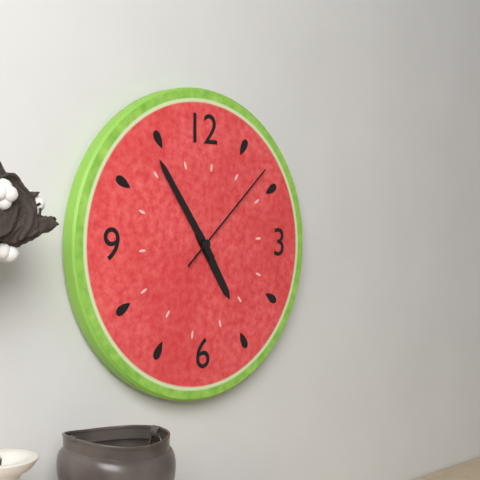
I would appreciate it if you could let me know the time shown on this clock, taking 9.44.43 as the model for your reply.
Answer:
4.54.08
